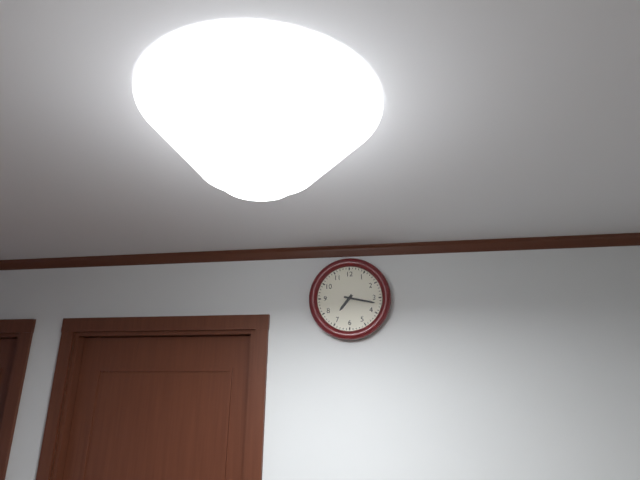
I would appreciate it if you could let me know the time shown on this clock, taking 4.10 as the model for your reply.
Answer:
7.17
